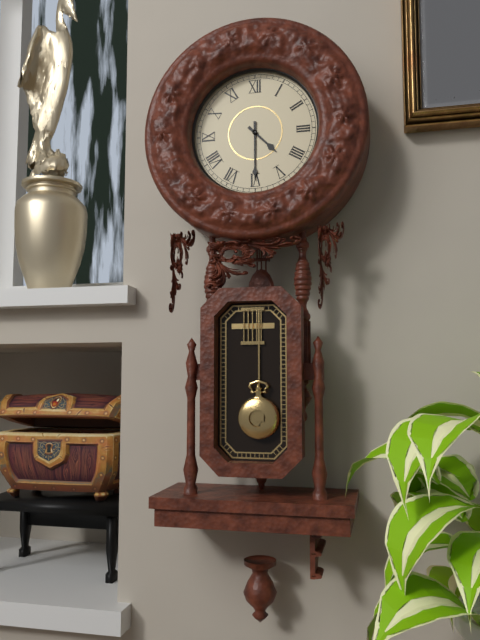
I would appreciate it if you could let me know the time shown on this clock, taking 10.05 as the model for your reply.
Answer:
4.30
